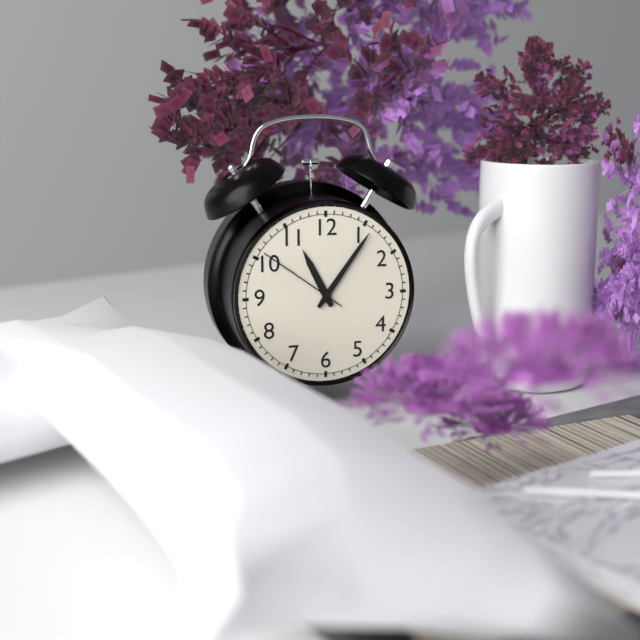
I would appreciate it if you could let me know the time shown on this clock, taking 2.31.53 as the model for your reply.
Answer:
11.06.51
